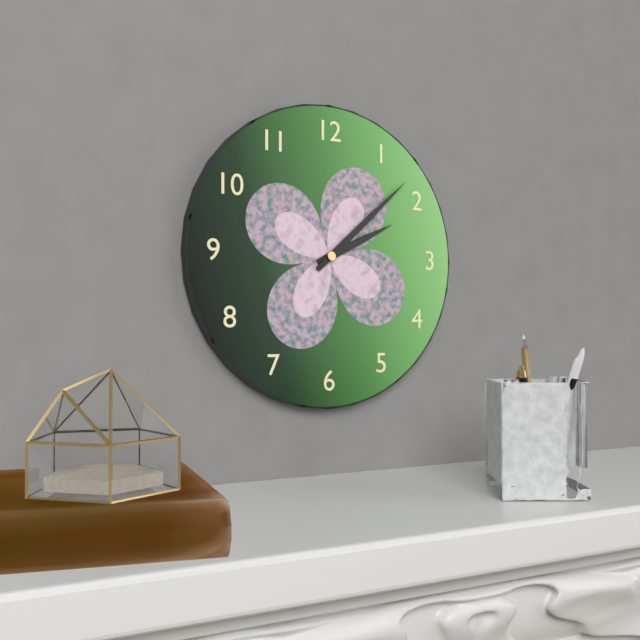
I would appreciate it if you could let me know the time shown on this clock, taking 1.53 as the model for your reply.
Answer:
2.08
